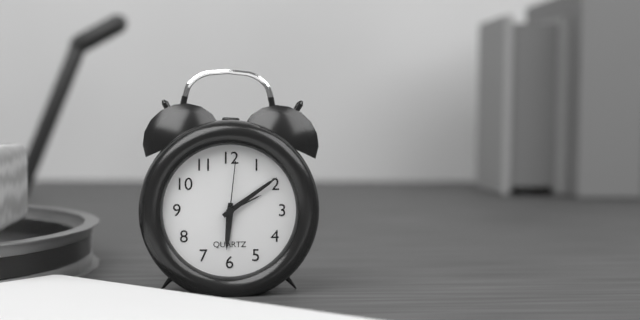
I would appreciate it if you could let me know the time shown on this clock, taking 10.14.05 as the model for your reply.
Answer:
6.09.01
